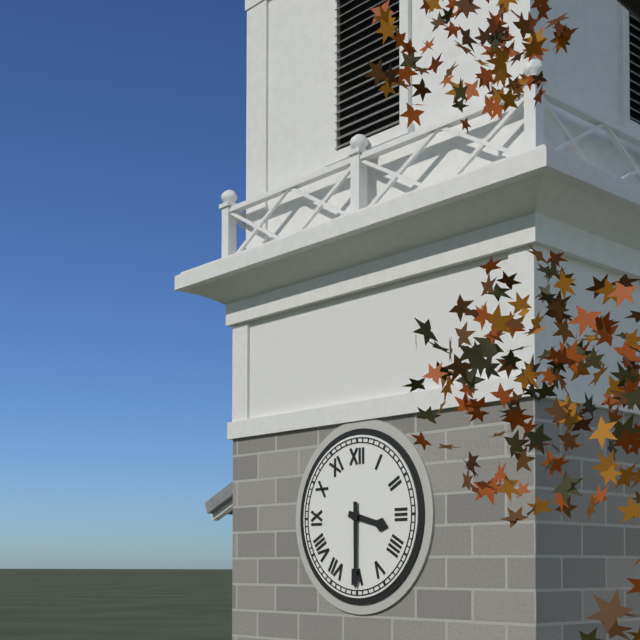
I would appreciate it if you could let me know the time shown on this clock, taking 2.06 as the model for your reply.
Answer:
3.30
